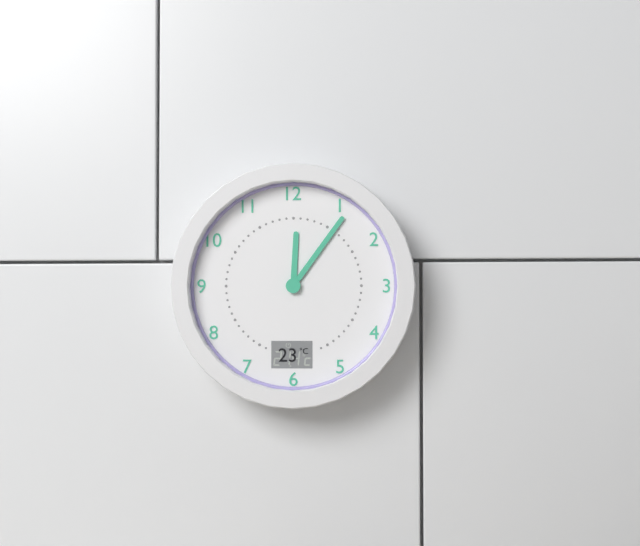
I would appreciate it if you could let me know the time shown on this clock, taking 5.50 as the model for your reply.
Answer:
12.06
